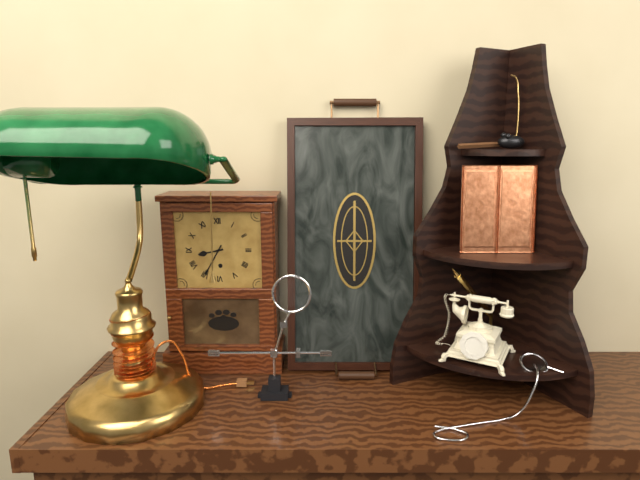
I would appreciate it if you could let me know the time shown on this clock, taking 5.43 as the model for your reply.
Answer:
8.35
